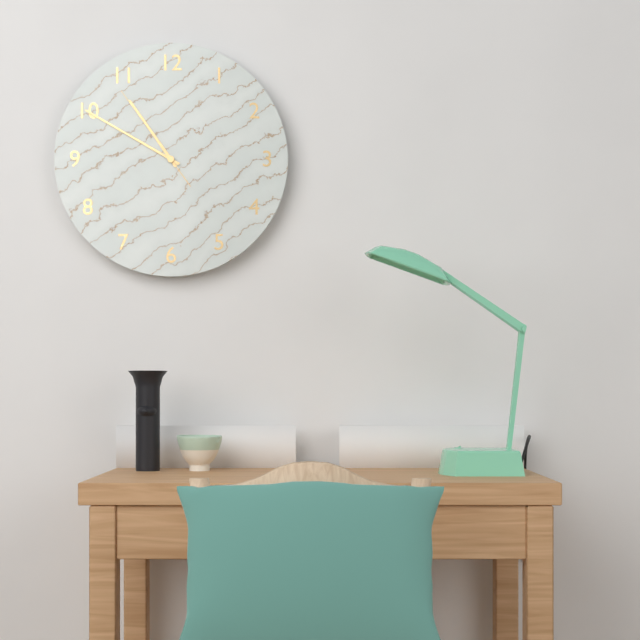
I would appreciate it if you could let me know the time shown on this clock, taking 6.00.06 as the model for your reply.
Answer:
10.50.54
